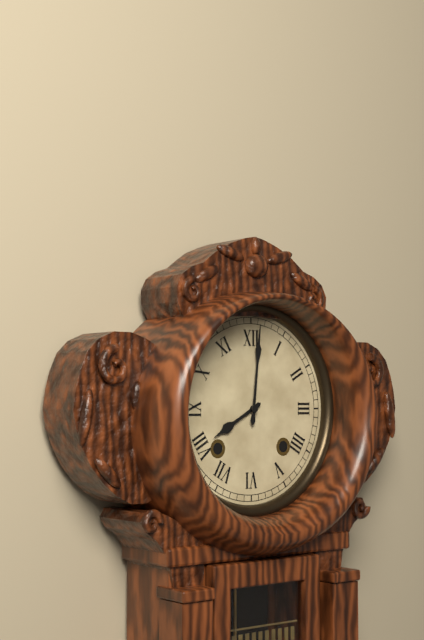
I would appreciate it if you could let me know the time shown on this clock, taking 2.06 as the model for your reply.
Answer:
8.01
